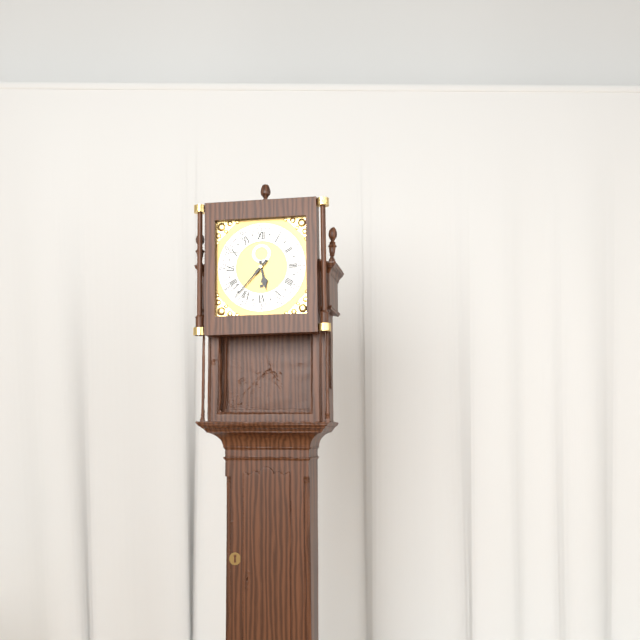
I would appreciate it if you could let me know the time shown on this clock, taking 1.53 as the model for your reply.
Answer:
5.37
